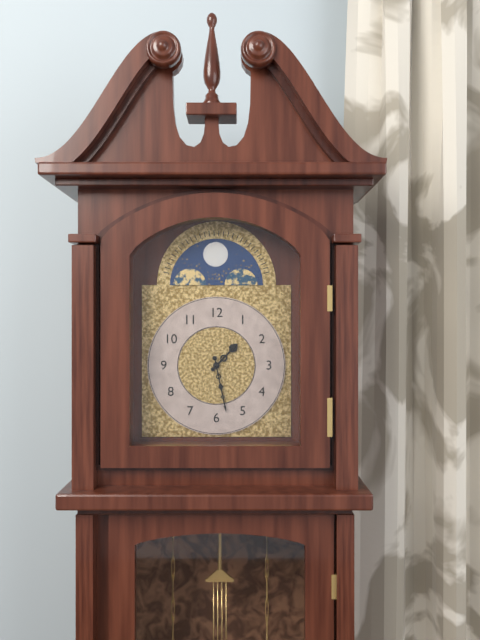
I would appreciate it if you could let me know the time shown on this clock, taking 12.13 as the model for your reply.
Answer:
1.28
